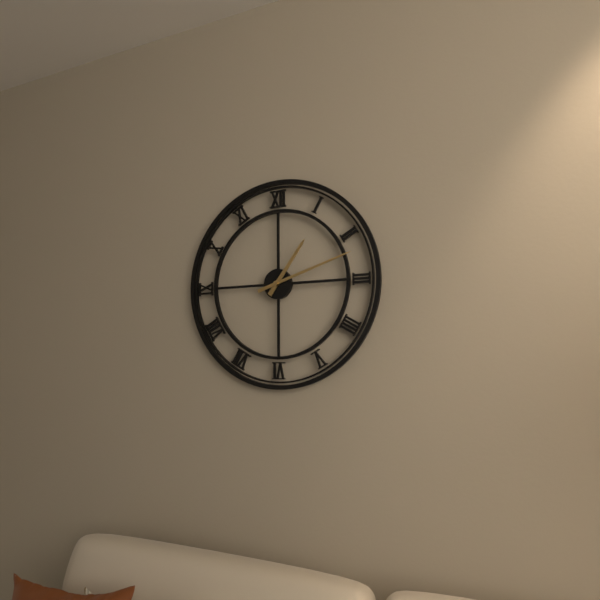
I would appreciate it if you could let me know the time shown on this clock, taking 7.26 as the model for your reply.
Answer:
1.12
